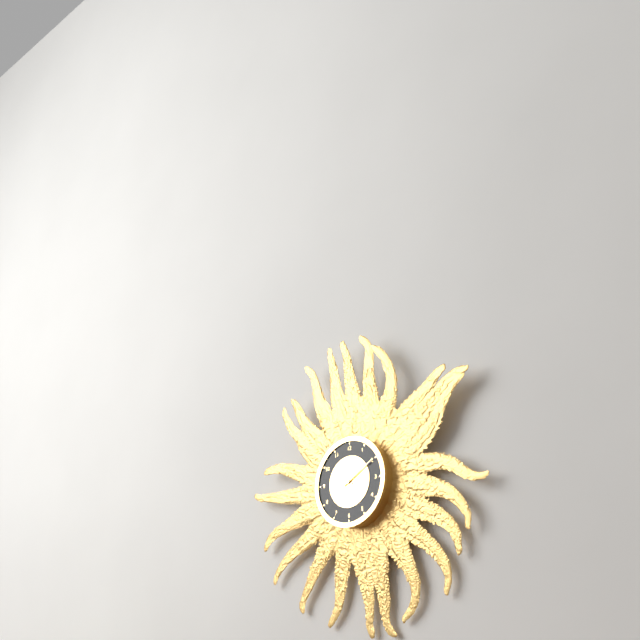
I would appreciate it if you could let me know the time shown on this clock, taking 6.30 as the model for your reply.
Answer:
10.10
